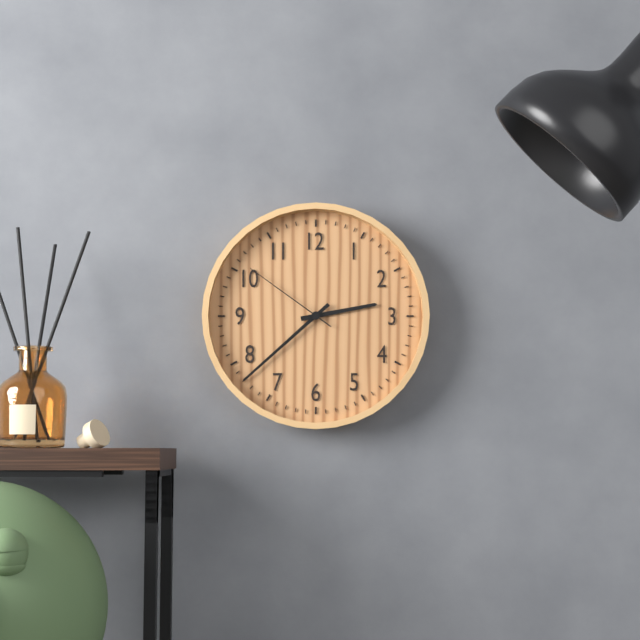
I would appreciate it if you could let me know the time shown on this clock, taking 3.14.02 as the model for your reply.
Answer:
2.38.51
